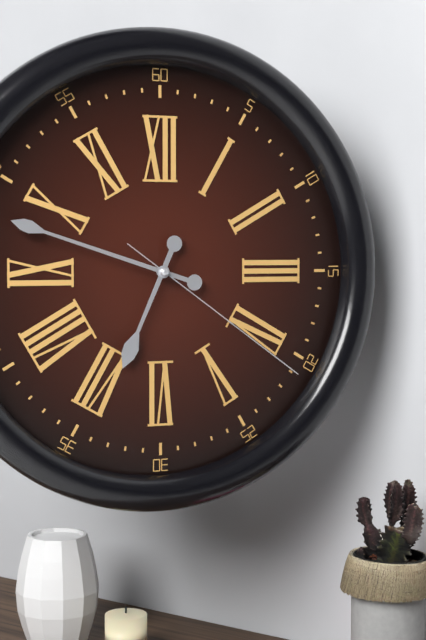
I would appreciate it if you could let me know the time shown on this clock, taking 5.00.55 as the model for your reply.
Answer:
6.48.21
